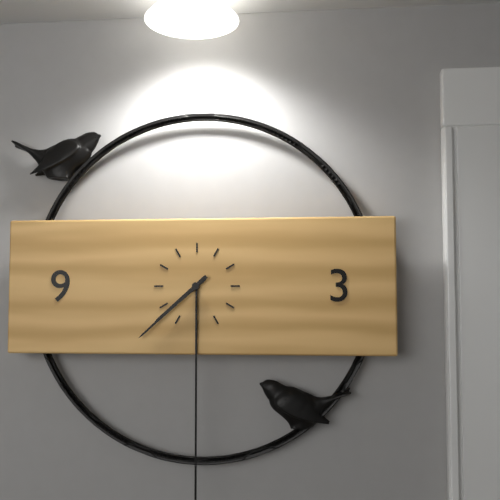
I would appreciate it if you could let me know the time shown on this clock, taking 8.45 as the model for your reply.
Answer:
7.38
